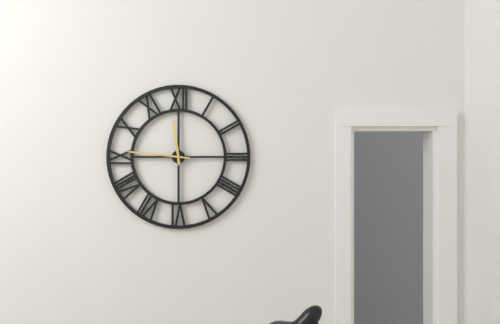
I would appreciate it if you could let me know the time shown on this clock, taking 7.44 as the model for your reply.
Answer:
11.46
